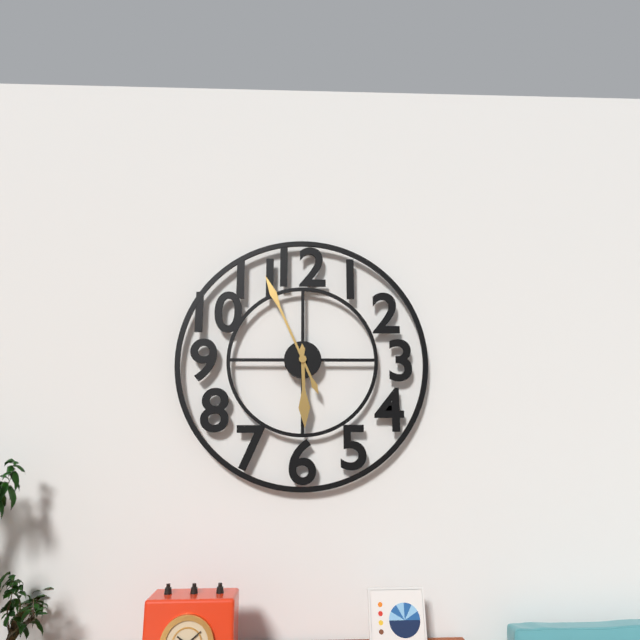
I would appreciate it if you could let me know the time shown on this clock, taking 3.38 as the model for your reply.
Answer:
5.56
